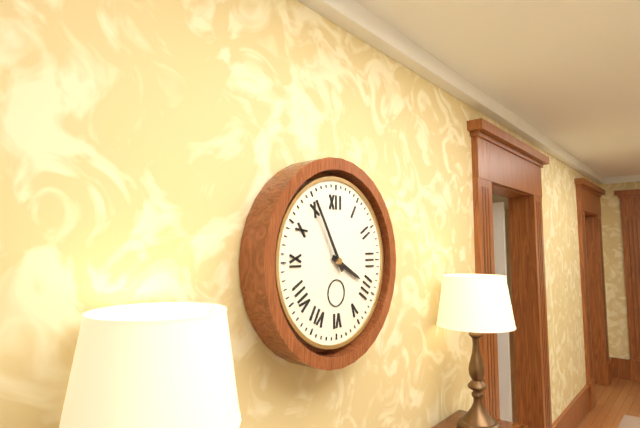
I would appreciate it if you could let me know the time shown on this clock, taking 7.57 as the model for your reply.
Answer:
3.55
